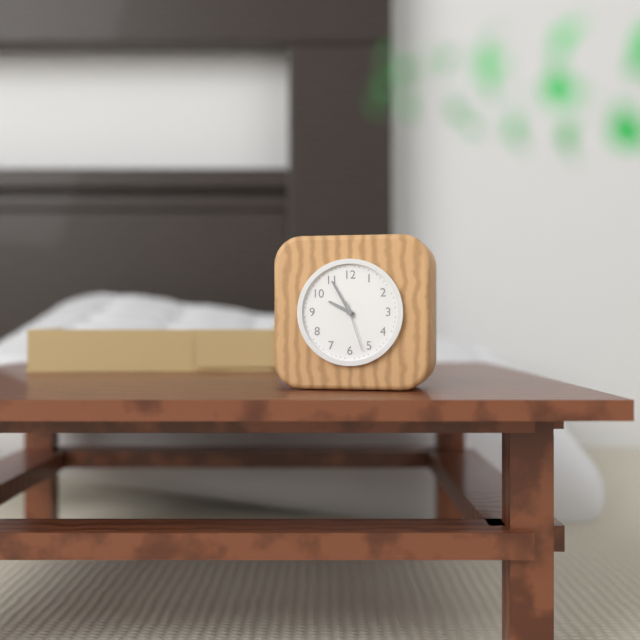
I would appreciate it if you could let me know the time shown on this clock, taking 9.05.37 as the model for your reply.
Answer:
9.55.27
